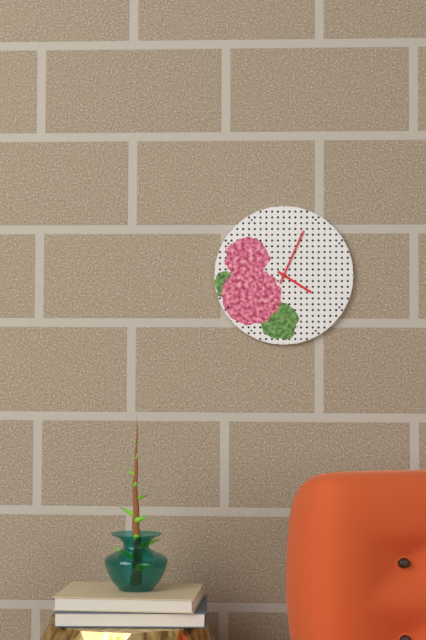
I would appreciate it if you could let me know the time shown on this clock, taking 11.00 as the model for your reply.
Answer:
4.04
